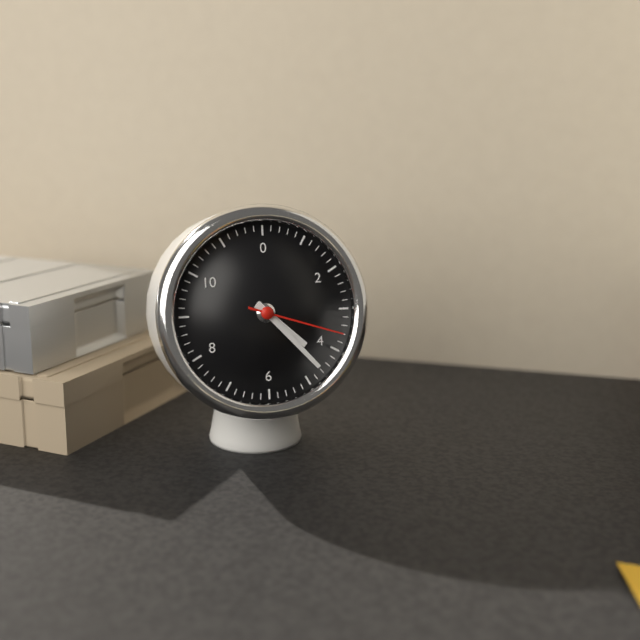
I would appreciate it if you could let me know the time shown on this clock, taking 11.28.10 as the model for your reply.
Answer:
4.23.18
